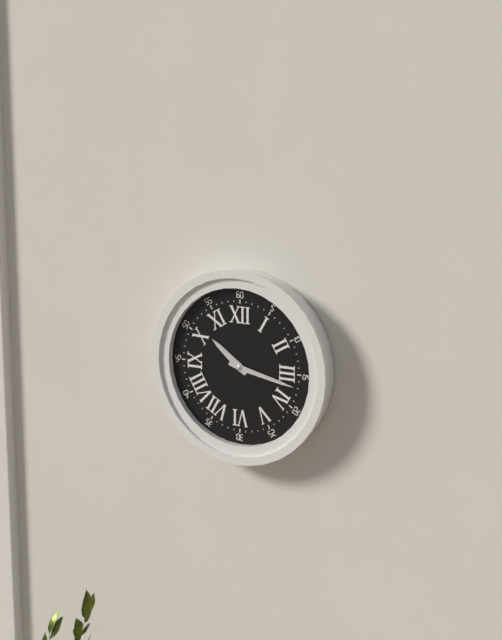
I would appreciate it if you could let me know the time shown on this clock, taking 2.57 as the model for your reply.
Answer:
10.17
